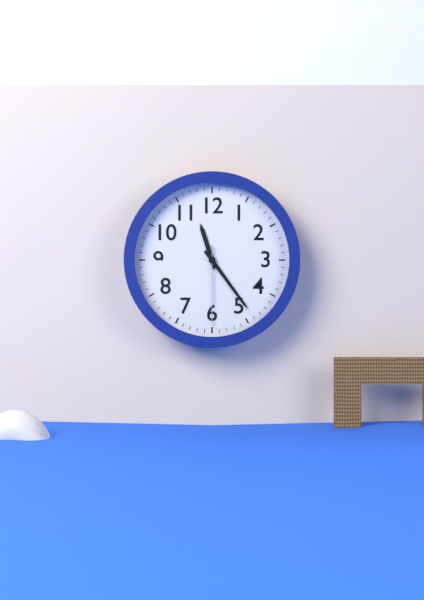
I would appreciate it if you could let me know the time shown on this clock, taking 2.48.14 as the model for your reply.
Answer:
11.24.30
